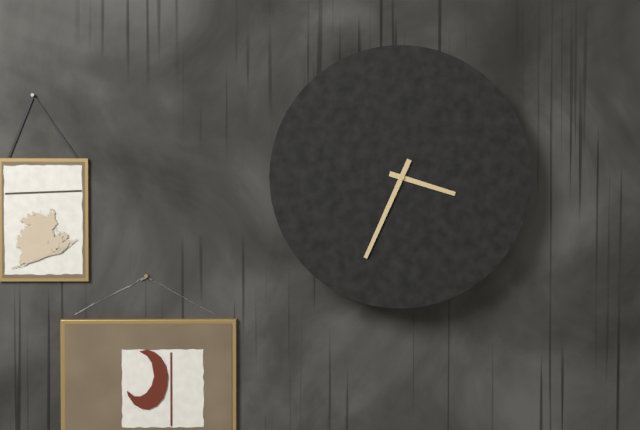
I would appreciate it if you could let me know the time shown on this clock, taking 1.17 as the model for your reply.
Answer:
3.34
